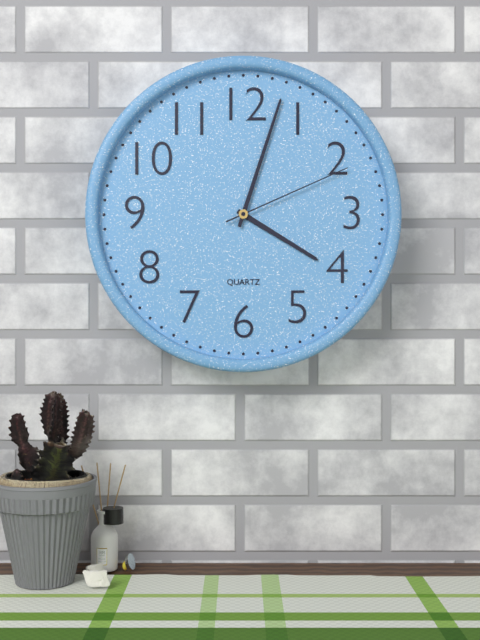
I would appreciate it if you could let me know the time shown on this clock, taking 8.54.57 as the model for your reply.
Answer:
4.03.11
